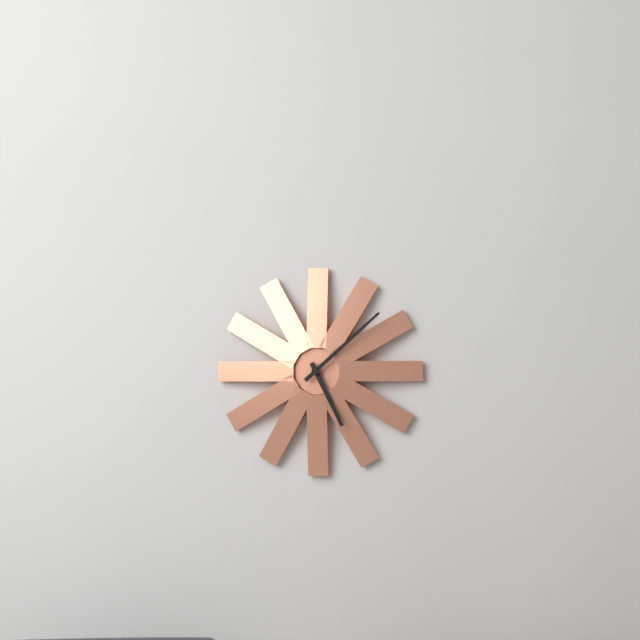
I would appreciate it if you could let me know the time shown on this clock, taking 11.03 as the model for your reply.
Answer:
5.08
